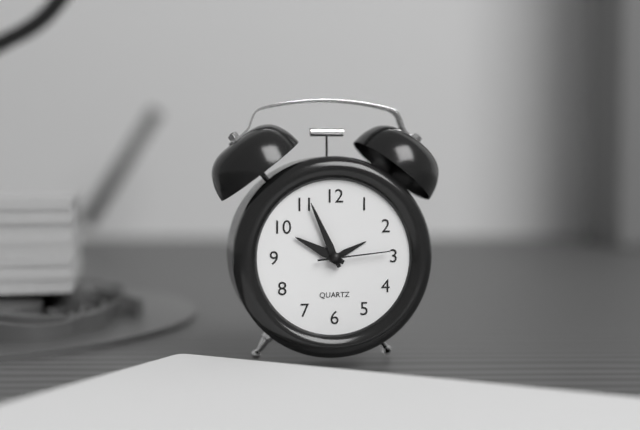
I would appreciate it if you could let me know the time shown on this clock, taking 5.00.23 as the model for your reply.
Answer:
9.56.14
